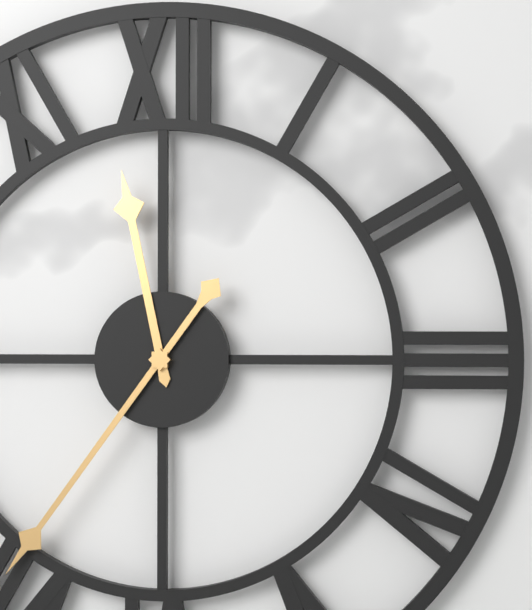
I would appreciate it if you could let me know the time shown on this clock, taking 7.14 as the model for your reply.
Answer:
11.36
